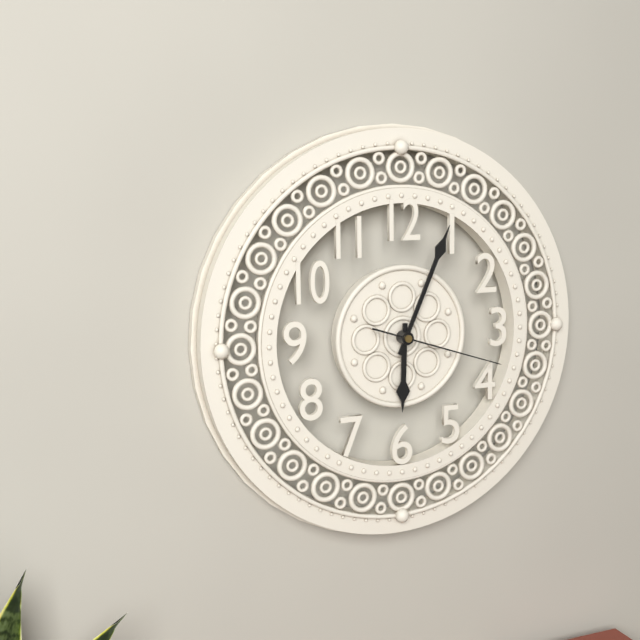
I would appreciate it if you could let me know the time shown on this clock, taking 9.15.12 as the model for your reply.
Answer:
6.04.18
